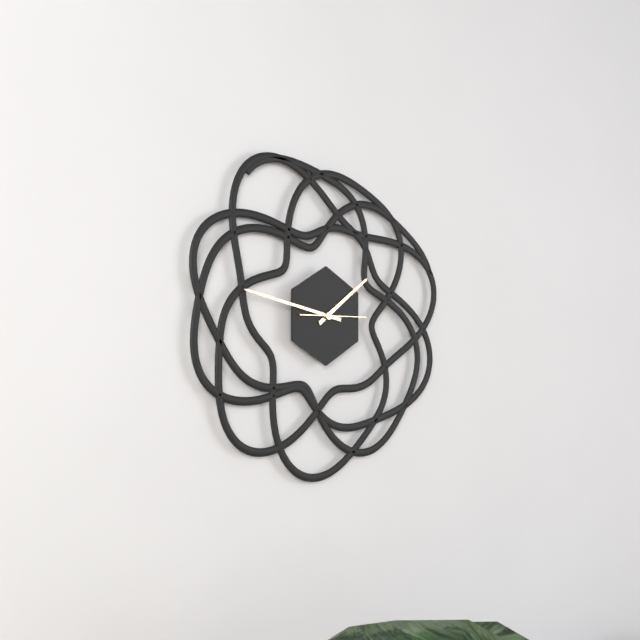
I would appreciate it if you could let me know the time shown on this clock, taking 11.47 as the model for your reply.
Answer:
1.47
